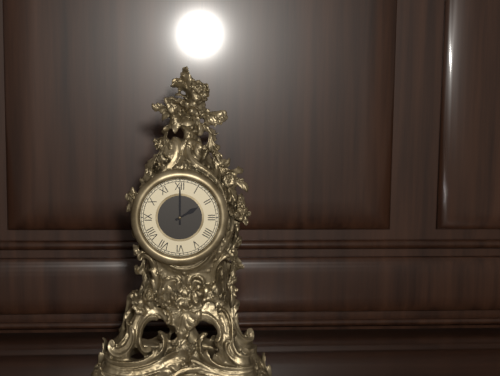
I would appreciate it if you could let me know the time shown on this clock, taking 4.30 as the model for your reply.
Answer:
2.00
